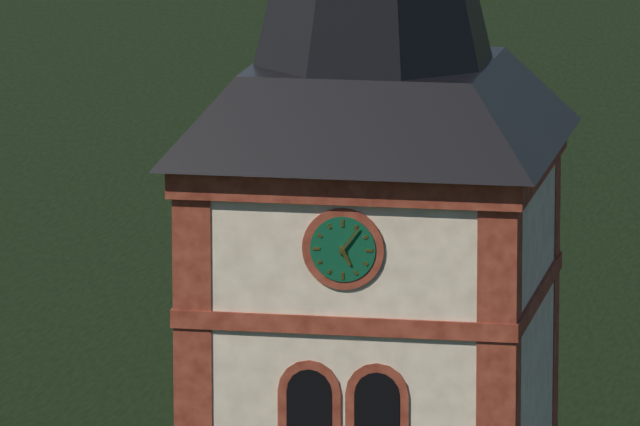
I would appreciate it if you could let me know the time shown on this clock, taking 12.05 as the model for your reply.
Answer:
5.06
